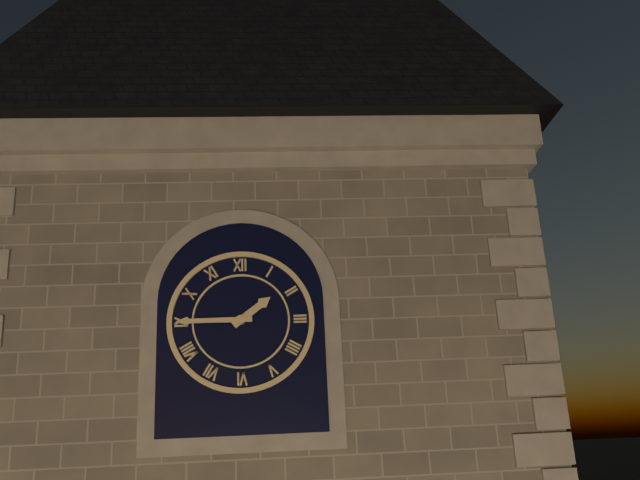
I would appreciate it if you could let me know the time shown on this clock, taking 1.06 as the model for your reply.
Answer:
1.45
